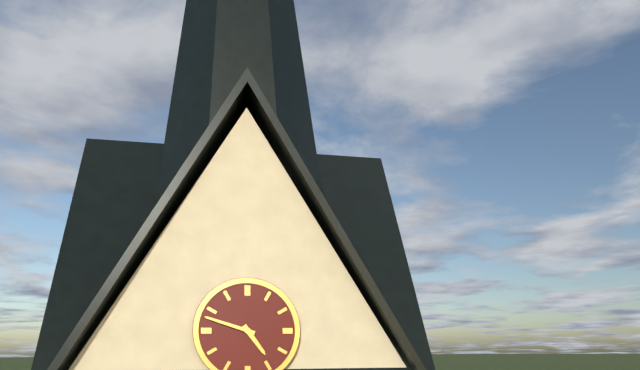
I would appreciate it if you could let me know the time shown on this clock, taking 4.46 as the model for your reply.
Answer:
4.48
